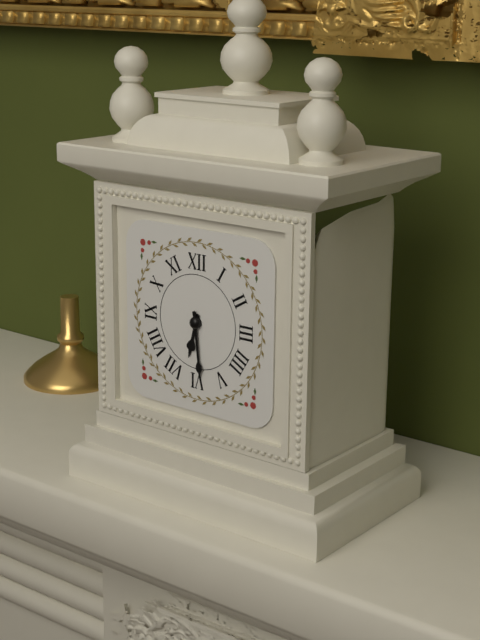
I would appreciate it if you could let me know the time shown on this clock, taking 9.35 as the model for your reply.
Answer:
6.29
